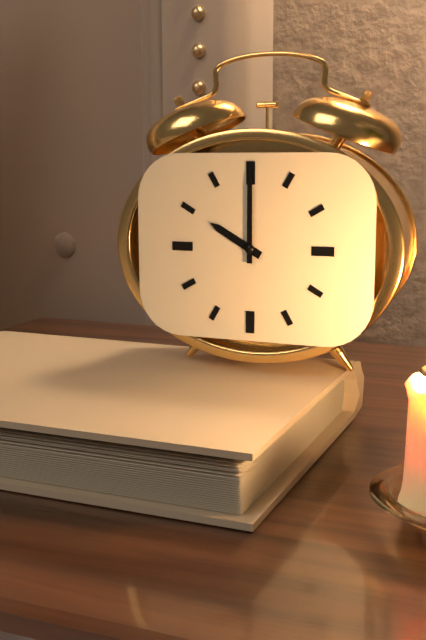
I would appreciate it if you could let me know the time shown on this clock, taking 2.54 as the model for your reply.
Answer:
10.00
